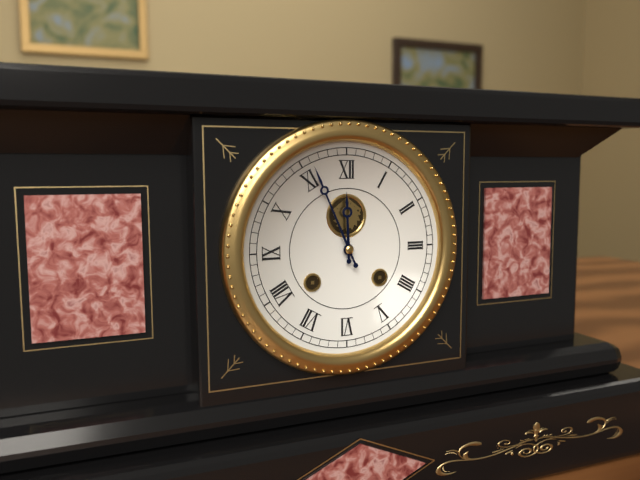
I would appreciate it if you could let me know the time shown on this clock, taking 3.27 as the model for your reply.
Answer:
11.56
